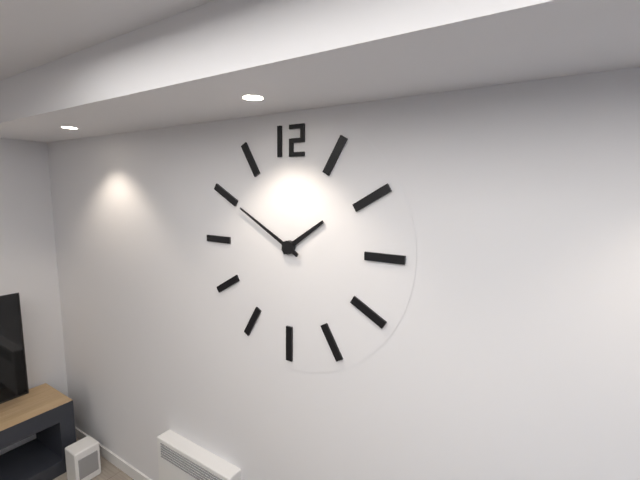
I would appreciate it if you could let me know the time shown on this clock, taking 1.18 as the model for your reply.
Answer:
1.50
